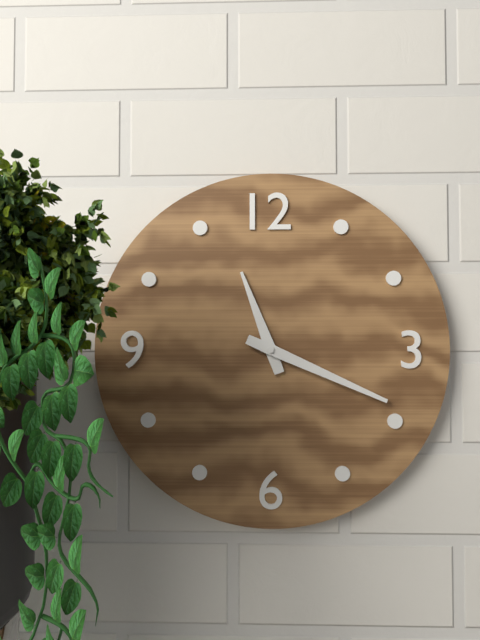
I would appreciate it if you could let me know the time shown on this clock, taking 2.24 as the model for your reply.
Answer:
11.19
